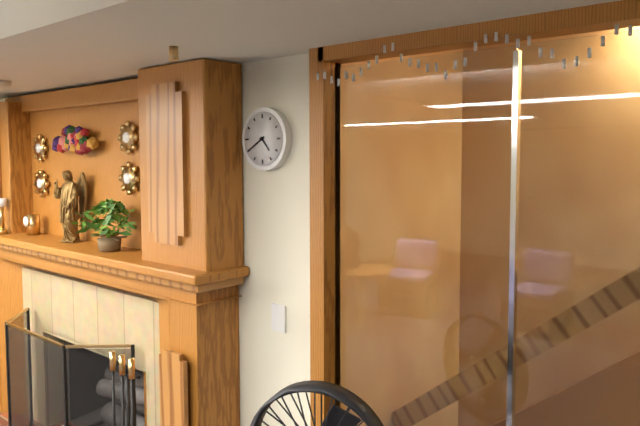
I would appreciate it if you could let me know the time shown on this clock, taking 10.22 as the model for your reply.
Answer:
4.40
